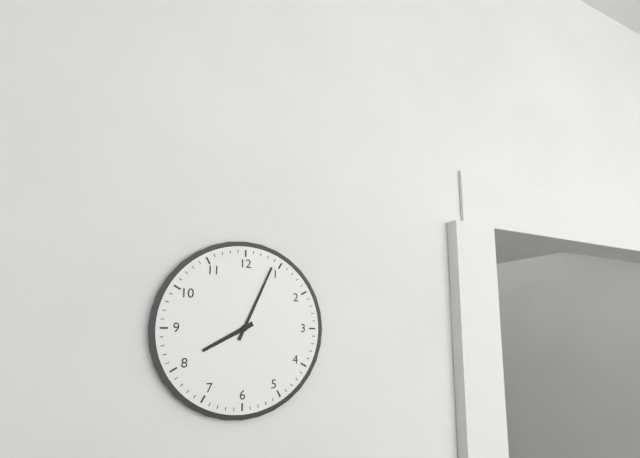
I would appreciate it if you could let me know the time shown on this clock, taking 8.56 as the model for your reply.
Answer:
8.04
